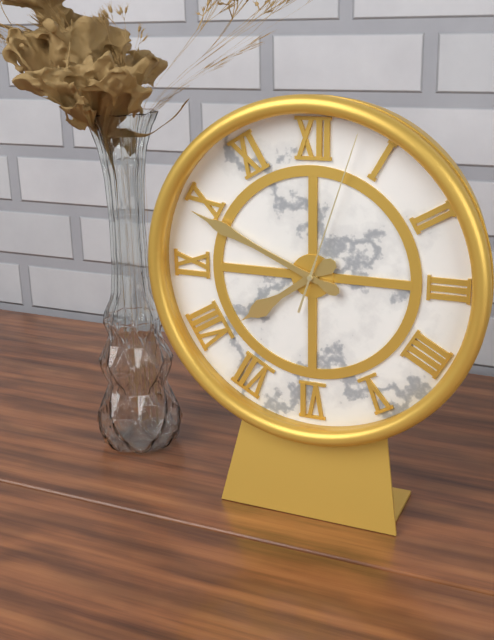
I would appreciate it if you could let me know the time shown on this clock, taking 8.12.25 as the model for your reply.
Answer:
7.49.03
